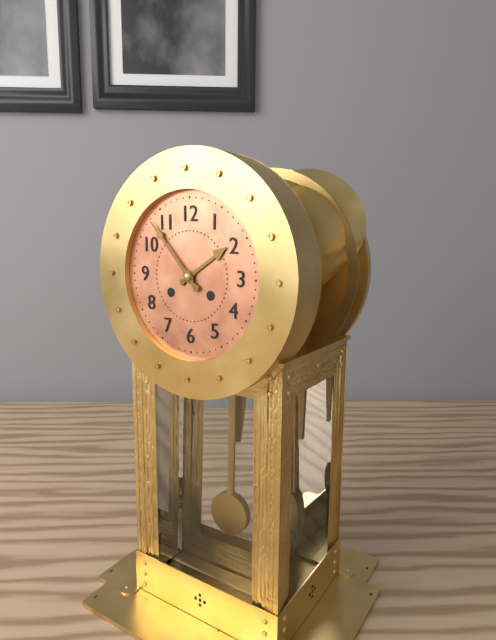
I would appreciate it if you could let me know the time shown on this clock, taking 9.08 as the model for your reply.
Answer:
1.53
